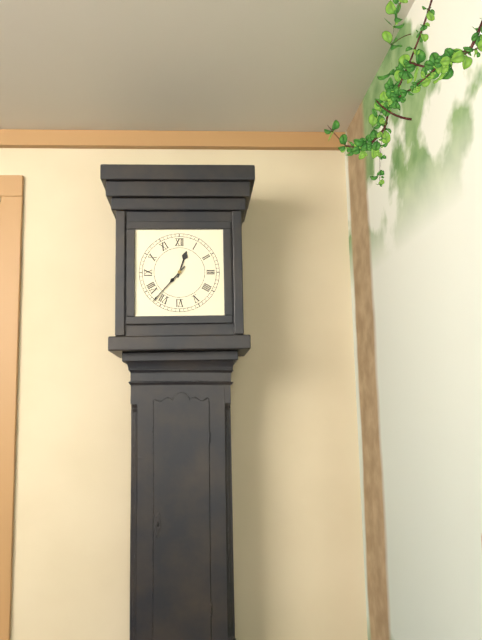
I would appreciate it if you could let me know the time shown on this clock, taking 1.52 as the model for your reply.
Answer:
12.37
